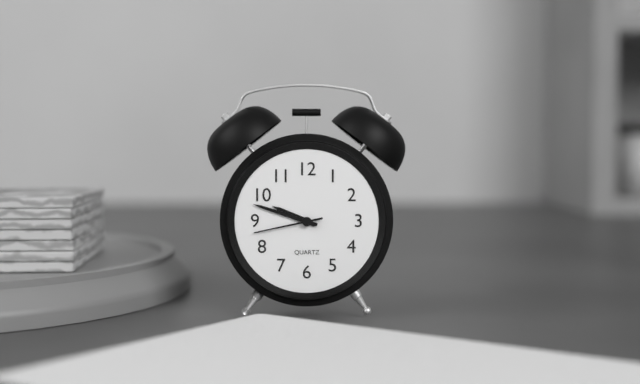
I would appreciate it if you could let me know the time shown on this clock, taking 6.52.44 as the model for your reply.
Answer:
9.48.43
